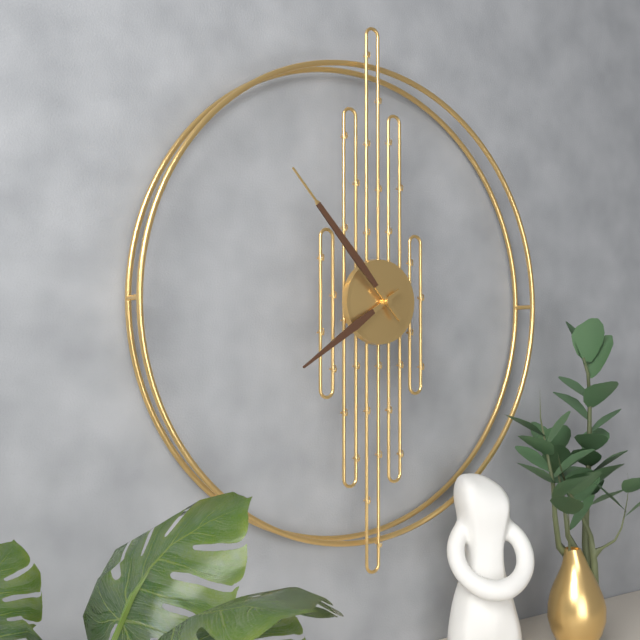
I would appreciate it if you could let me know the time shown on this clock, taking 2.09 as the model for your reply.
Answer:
7.53
